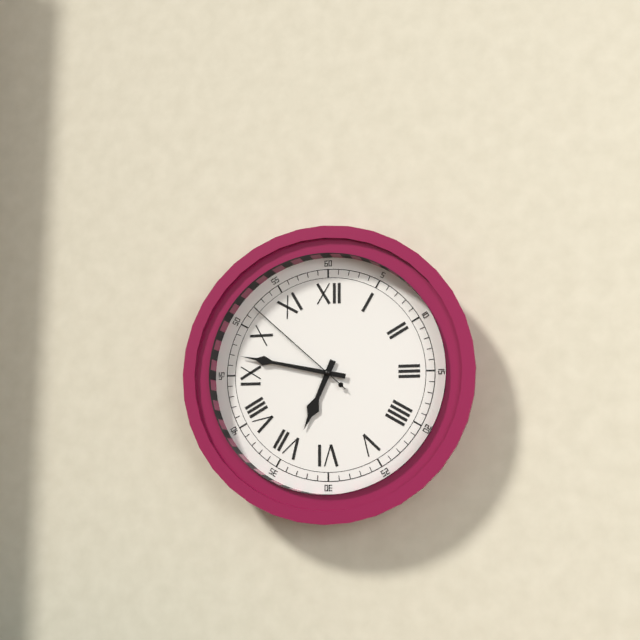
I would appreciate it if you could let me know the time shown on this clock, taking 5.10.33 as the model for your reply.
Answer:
6.47.52
